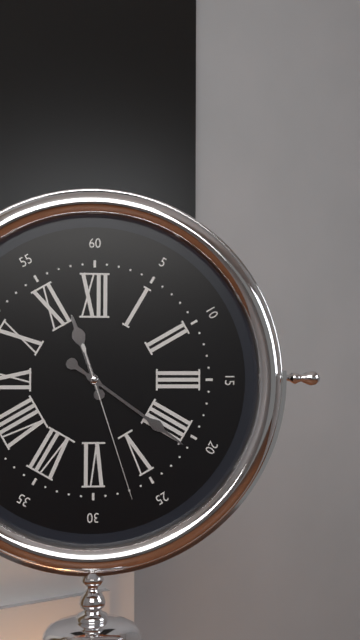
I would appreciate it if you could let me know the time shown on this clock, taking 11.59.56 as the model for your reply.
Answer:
11.21.27
